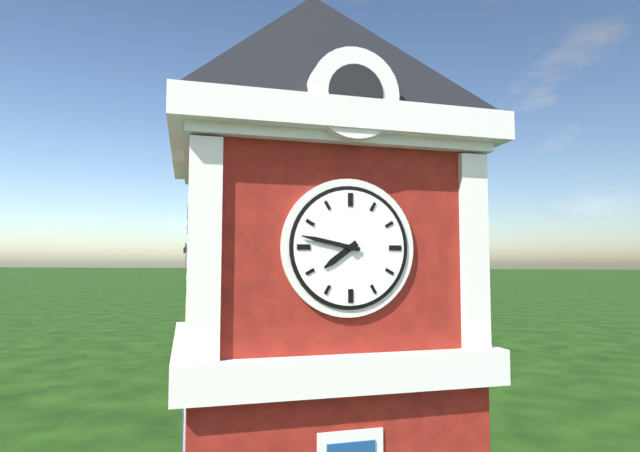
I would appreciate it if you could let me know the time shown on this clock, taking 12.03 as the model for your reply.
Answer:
7.47
